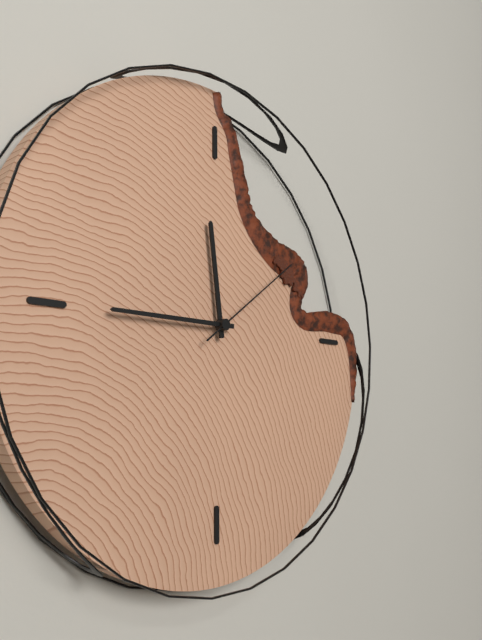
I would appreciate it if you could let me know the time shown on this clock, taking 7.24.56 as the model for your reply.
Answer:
11.45.09
